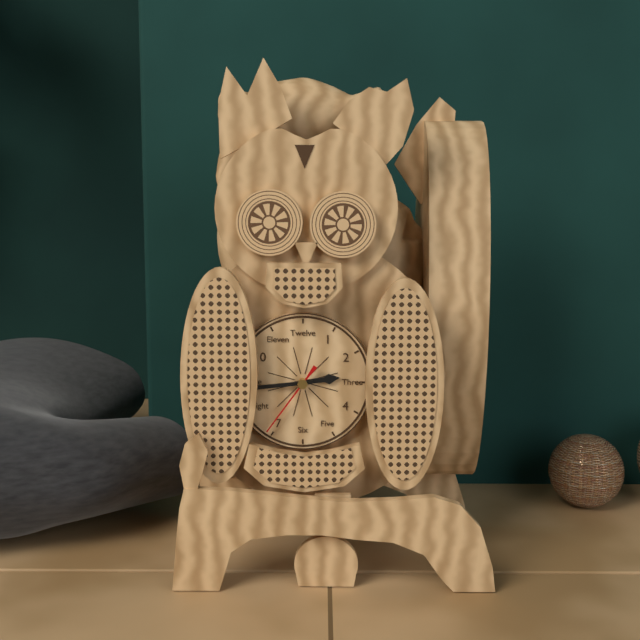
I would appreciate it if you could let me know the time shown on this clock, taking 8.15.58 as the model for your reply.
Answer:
2.44.36
